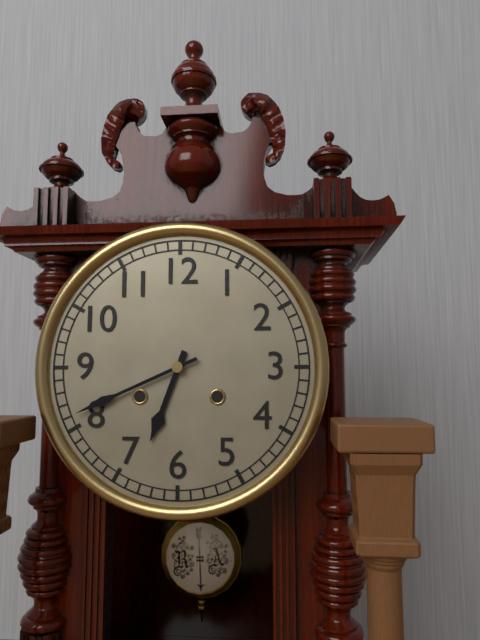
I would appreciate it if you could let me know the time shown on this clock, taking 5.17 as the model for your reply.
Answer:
6.41
